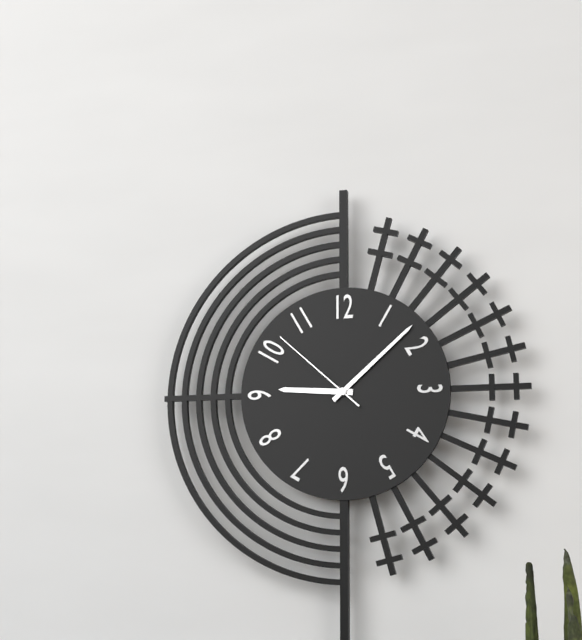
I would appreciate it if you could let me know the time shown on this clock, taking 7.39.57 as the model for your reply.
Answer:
9.08.52
